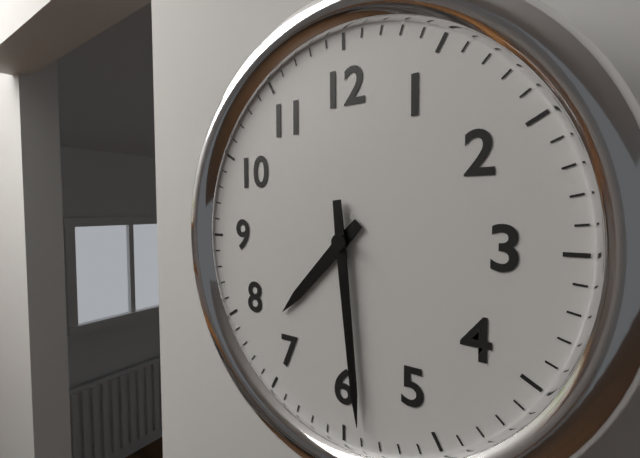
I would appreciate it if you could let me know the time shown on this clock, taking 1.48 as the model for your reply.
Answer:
7.29
